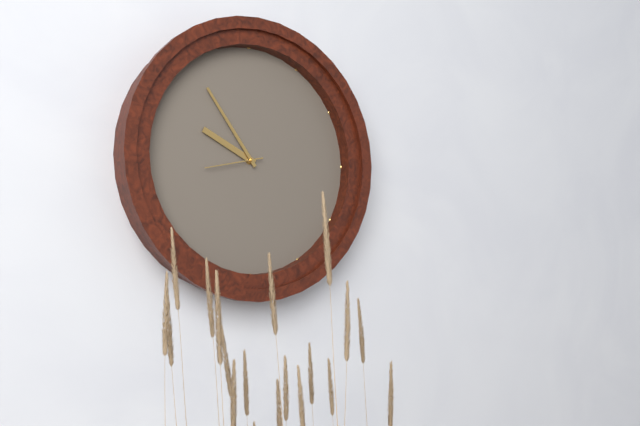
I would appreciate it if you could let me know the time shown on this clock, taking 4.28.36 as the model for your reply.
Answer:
9.54.43
